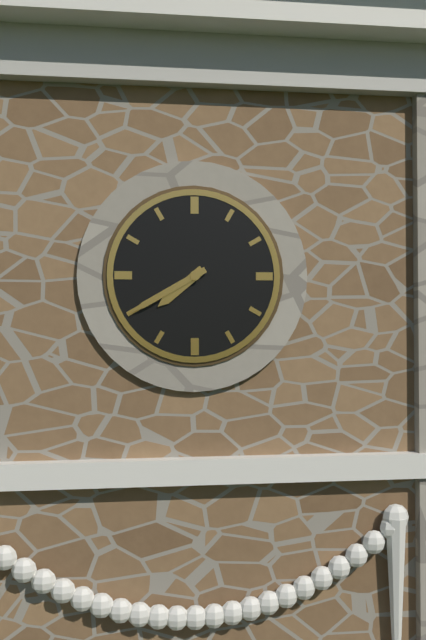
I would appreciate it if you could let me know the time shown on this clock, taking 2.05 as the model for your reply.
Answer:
7.40
